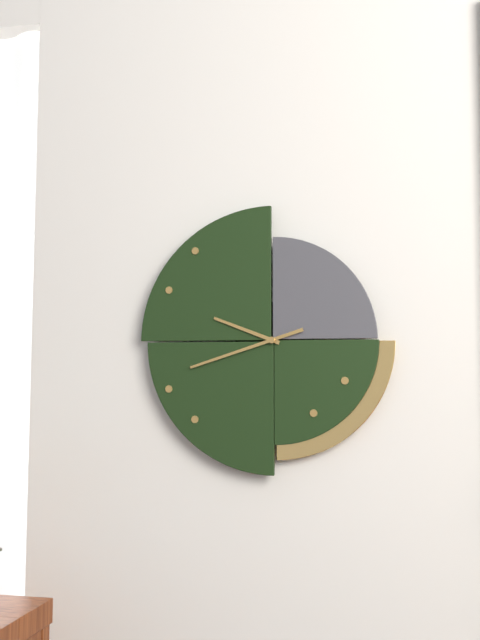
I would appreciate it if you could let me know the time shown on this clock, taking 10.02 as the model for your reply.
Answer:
9.42
